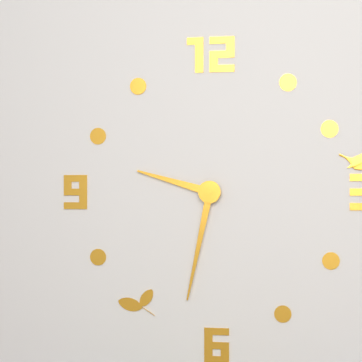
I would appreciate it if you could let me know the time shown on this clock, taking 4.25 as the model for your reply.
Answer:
9.32
